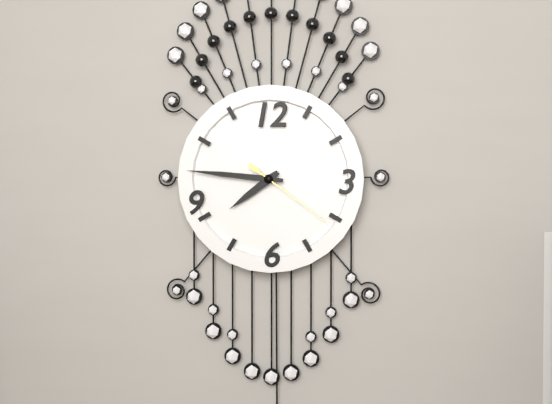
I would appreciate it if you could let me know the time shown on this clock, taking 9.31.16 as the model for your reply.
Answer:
7.46.21
